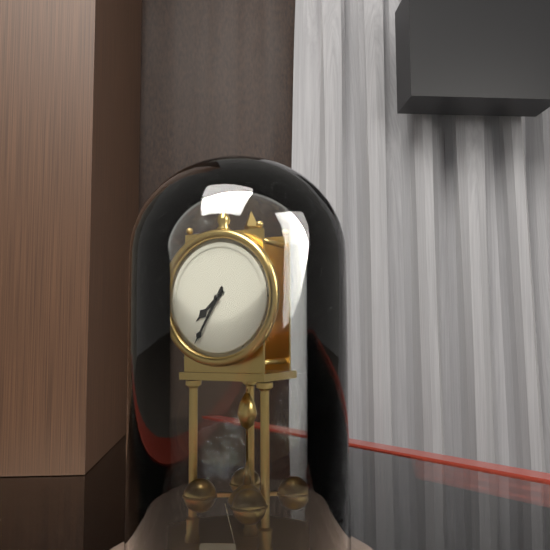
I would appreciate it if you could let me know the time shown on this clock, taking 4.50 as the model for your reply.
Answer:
7.35
